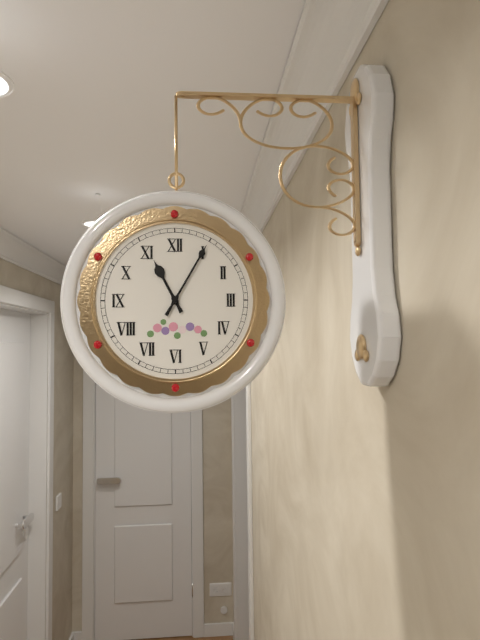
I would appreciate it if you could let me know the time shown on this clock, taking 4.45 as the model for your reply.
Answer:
11.05
